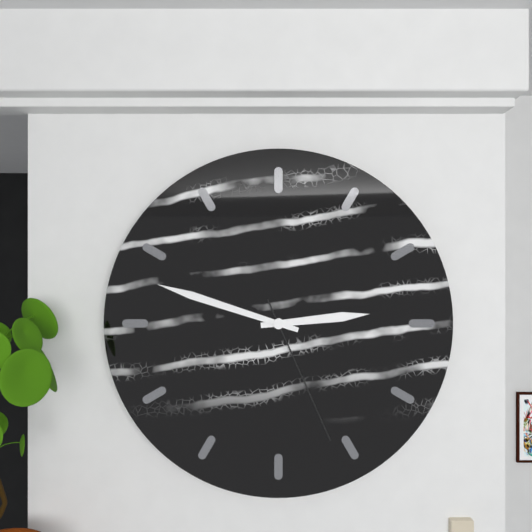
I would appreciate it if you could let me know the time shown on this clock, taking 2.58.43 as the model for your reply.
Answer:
2.48.26
